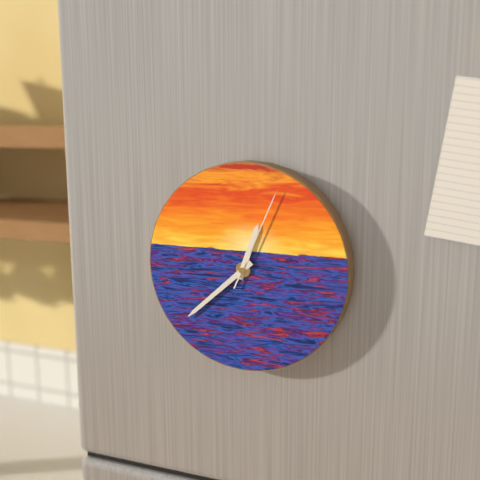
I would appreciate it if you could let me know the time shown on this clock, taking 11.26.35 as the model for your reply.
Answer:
12.38.04
